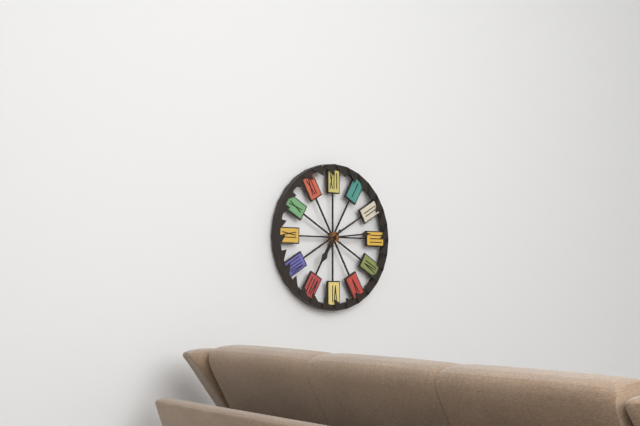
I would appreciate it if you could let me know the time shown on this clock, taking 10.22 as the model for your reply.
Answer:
7.14
